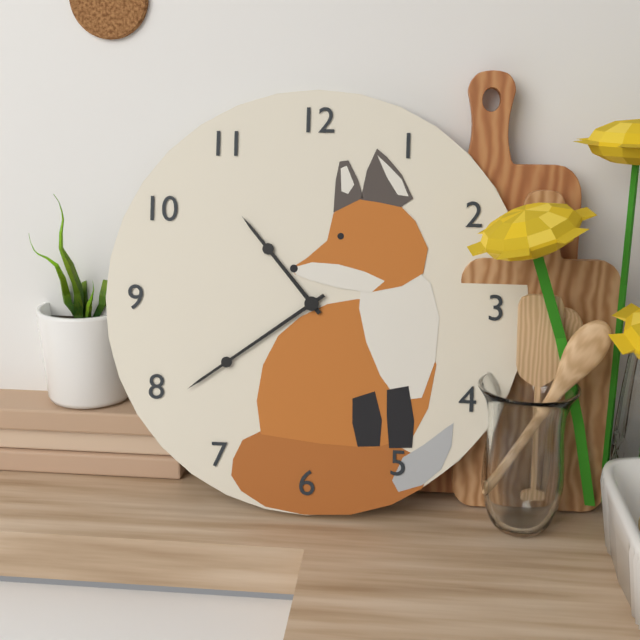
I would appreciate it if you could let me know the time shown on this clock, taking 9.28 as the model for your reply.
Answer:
10.39
